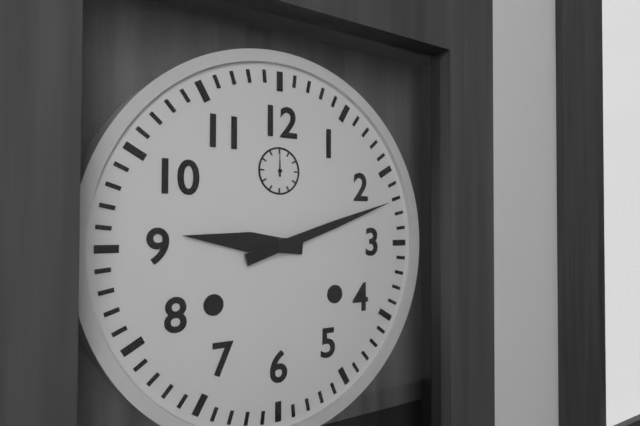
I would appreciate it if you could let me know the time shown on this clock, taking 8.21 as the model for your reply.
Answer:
9.12
